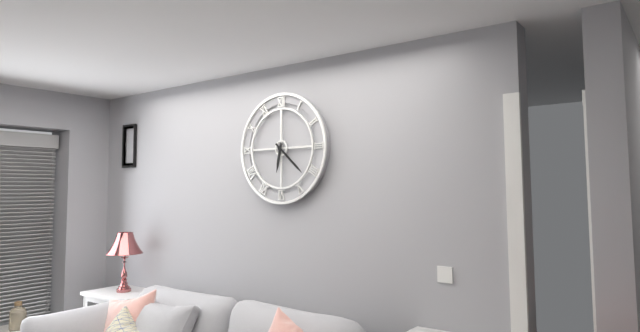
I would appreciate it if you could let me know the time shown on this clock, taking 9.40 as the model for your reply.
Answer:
6.22
